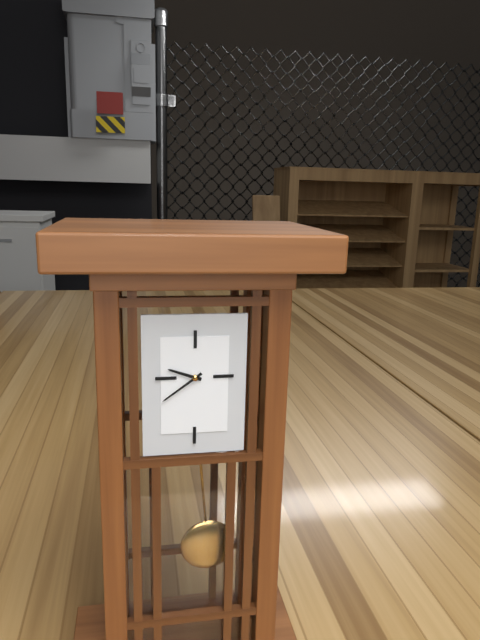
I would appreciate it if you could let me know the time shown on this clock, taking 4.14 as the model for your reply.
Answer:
9.39
